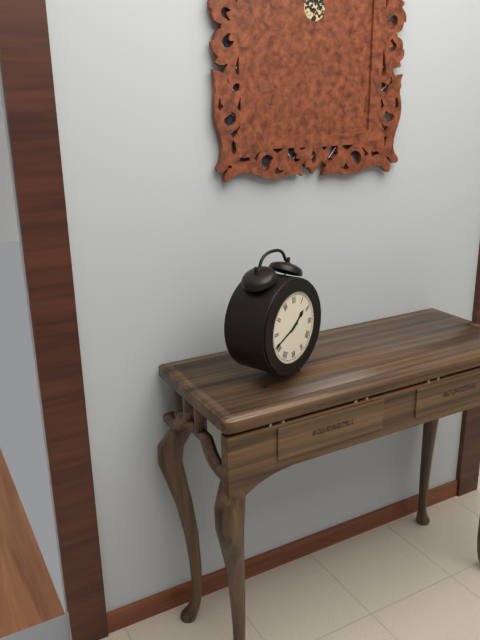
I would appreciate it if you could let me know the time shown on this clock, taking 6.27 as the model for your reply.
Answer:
1.41
